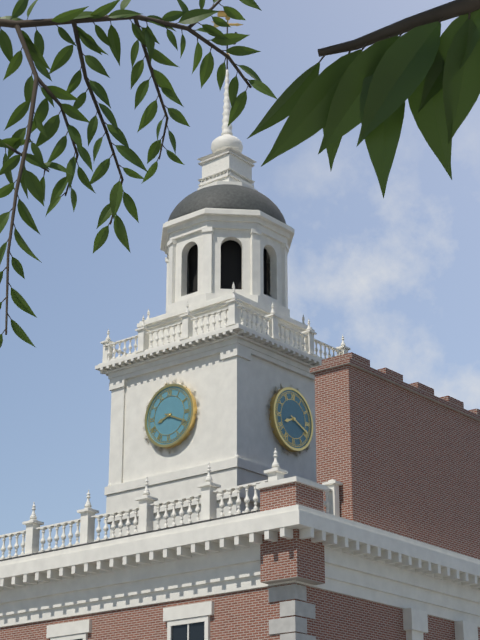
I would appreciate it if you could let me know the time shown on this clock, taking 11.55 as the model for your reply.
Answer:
8.19
